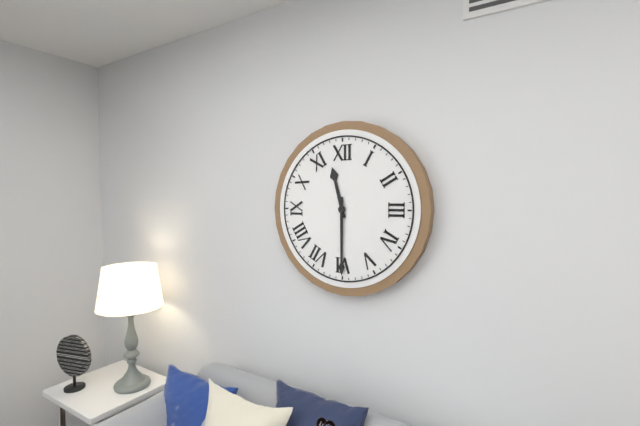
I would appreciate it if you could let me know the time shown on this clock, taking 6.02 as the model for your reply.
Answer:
11.30
